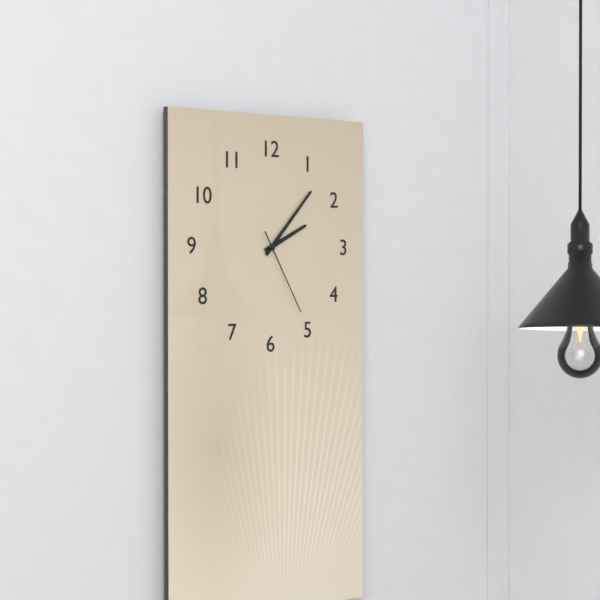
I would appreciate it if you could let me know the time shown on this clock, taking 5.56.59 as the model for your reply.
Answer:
2.07.25
